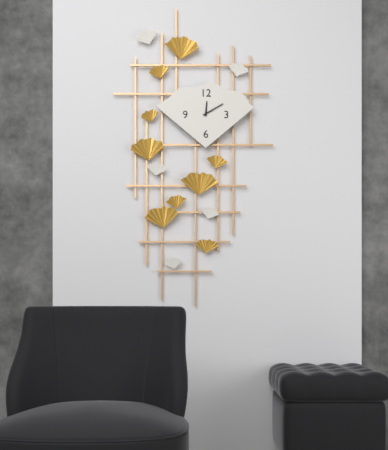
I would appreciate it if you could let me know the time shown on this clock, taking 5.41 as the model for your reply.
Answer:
12.10
